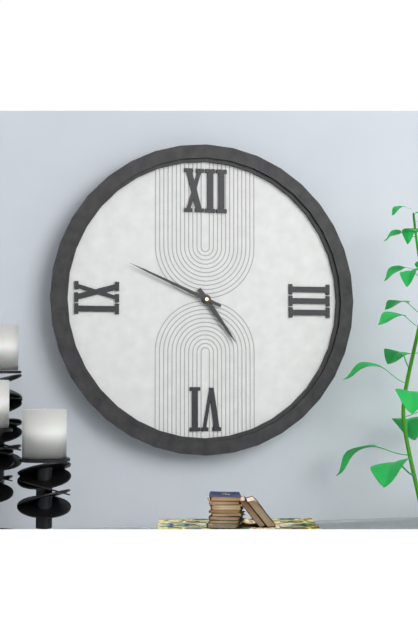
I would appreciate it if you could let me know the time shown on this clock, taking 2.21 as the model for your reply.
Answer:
4.49
